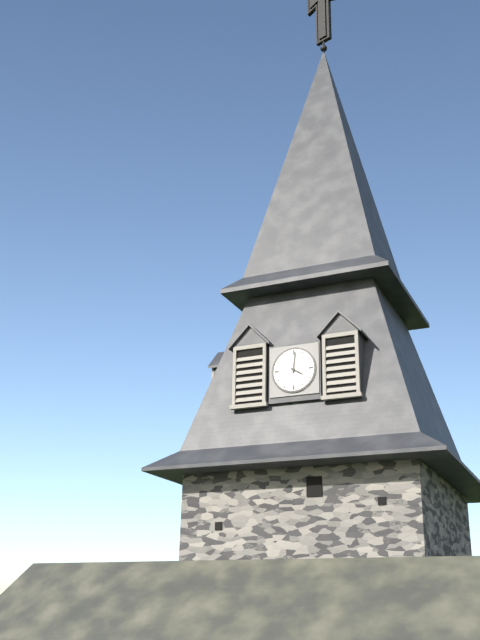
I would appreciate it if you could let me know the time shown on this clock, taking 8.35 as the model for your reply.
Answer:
4.01
